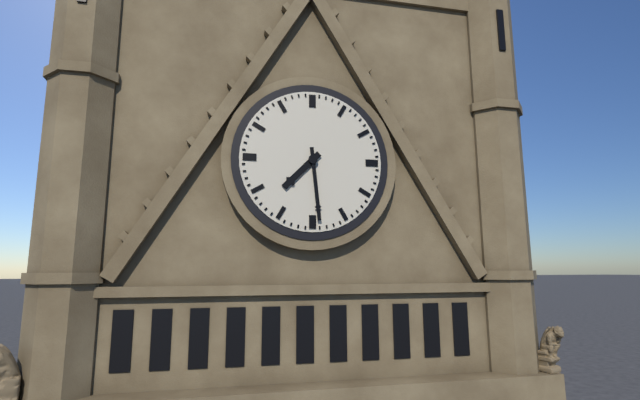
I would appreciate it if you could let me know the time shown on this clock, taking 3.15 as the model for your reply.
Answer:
7.29
